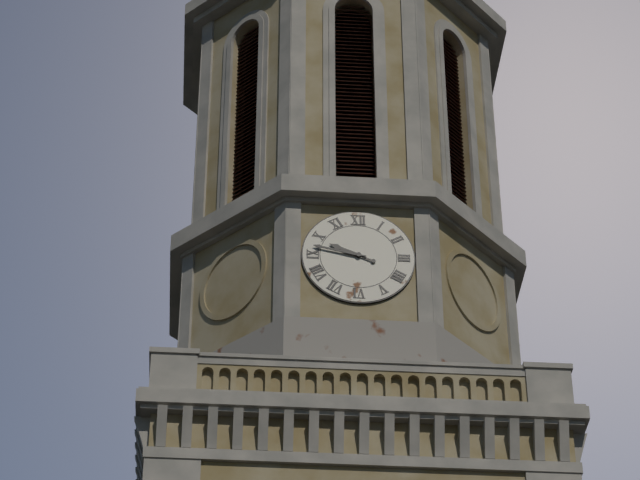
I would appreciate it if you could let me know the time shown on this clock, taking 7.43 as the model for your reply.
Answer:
9.47
